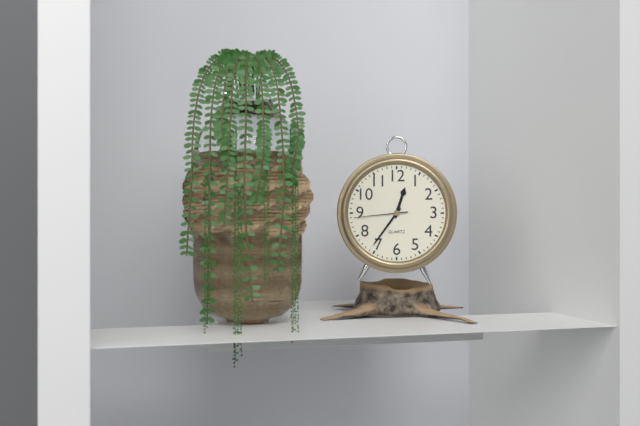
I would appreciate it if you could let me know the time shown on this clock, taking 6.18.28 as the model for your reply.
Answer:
12.36.44
